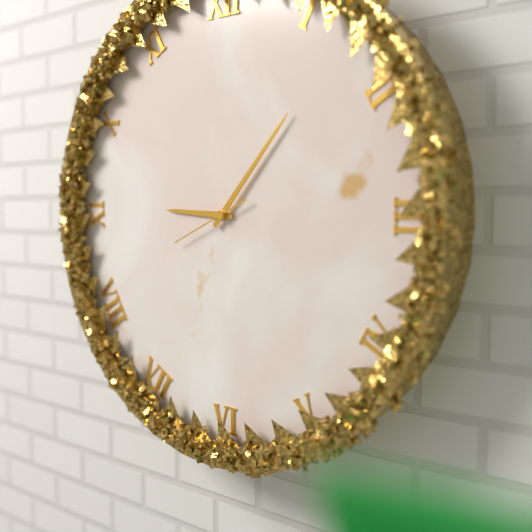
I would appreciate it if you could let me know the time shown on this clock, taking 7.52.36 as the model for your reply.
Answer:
9.07.41
